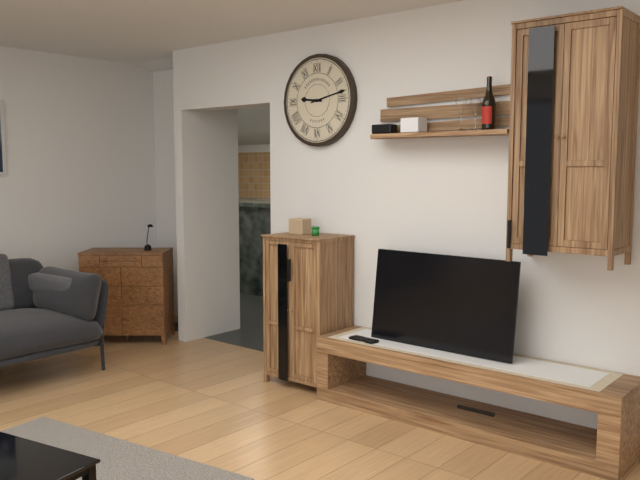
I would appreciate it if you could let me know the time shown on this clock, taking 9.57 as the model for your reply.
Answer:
9.13
